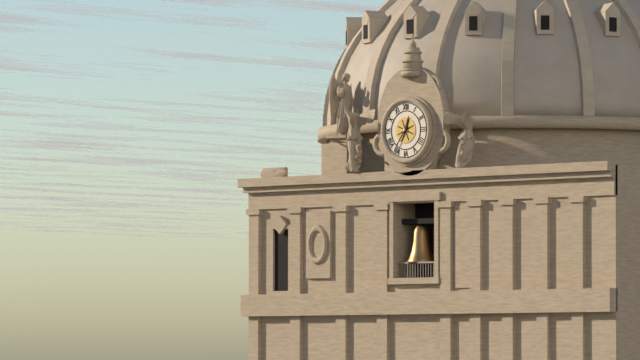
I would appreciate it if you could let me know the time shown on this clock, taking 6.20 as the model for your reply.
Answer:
12.36
